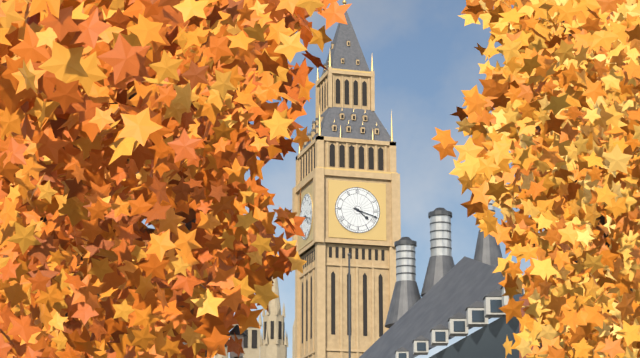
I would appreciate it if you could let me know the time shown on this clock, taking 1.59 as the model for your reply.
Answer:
4.18
